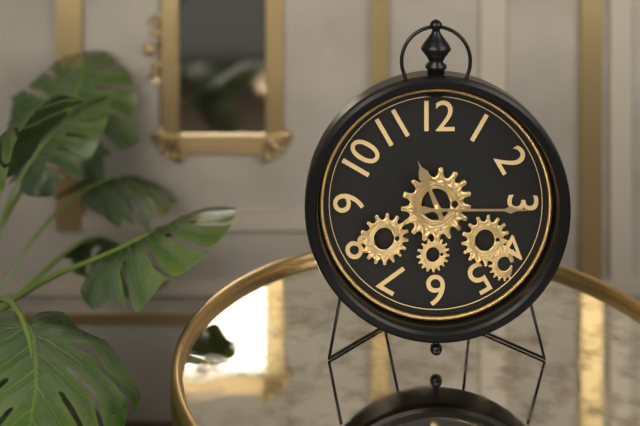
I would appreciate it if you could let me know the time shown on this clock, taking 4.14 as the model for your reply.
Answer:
11.15
